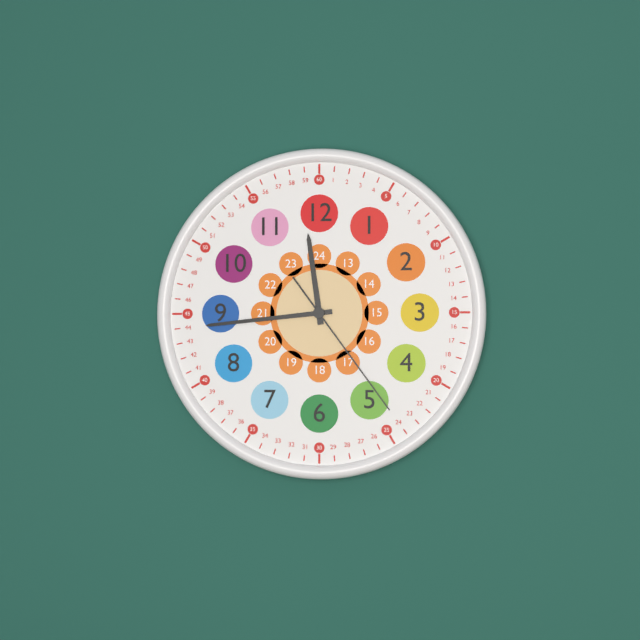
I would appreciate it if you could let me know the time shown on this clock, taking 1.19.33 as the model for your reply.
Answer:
11.44.24
